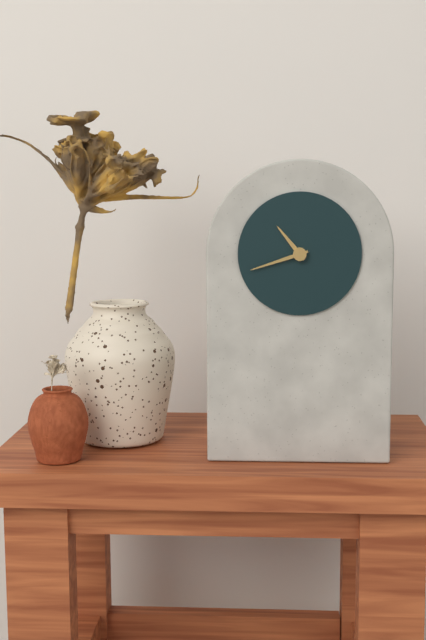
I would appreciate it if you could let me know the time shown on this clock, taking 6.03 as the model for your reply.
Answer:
10.42
